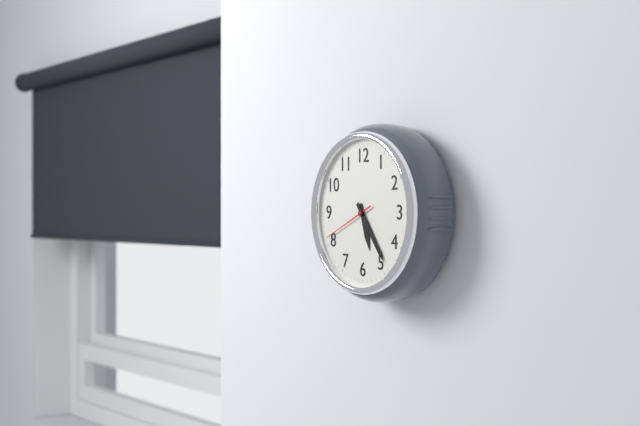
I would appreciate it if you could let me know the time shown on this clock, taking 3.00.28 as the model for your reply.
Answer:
5.24.41
